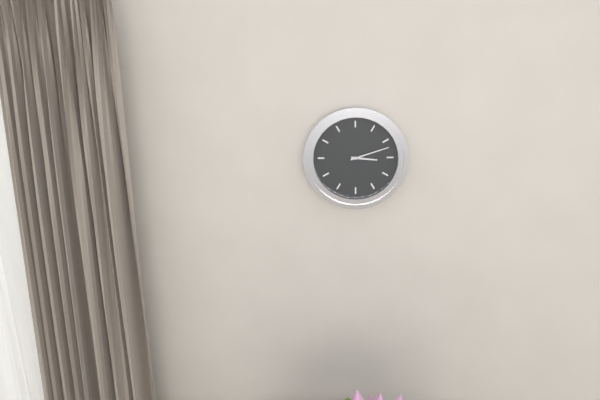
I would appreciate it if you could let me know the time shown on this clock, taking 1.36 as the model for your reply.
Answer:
3.12
